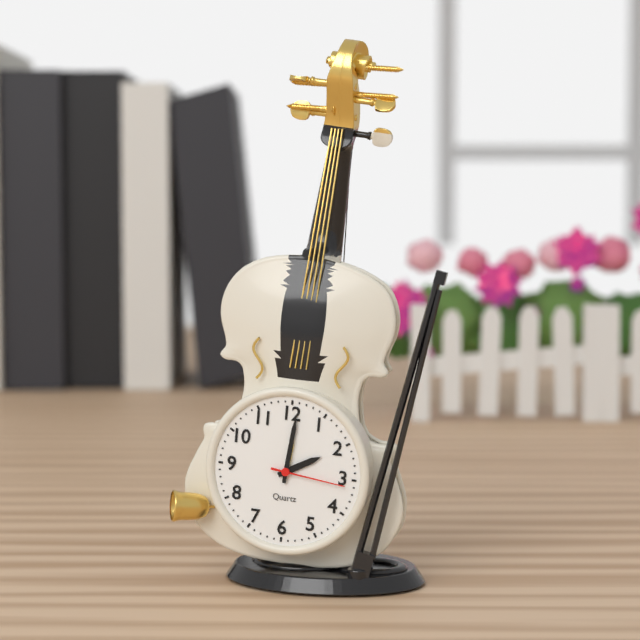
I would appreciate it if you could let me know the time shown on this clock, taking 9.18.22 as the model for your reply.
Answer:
2.01.16
